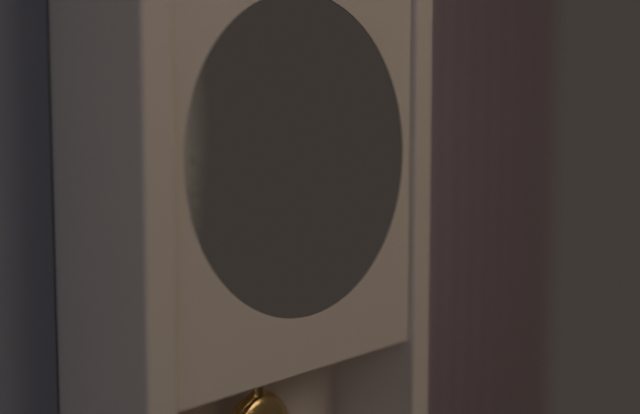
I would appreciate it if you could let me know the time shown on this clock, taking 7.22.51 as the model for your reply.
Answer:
5.02.39
